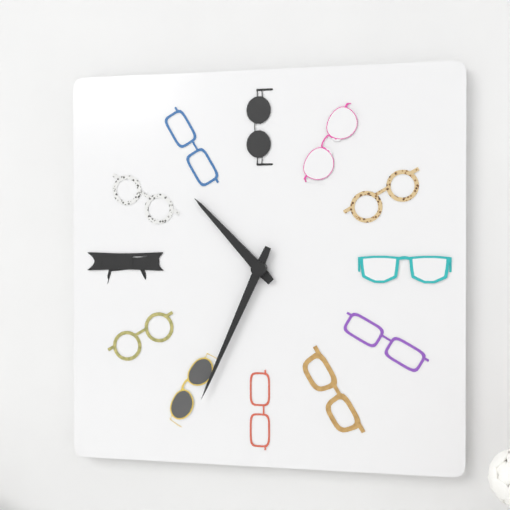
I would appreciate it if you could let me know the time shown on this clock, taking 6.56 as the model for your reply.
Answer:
10.34
